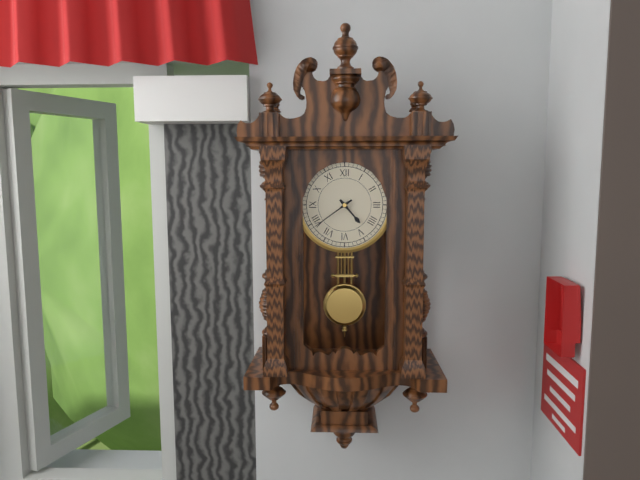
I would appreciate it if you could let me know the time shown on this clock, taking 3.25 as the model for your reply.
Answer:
4.39
